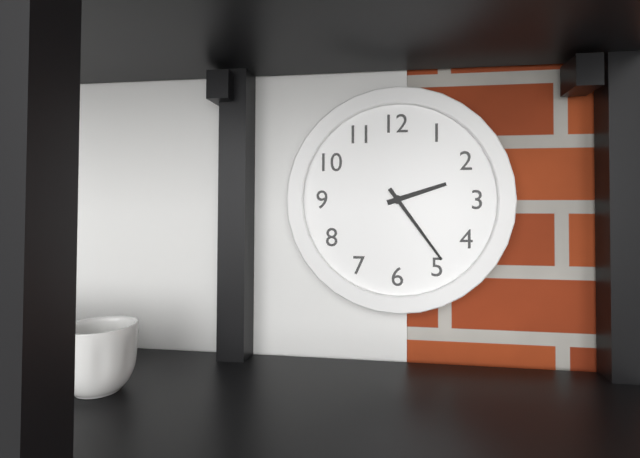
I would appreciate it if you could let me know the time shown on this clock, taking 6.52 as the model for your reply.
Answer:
2.24
